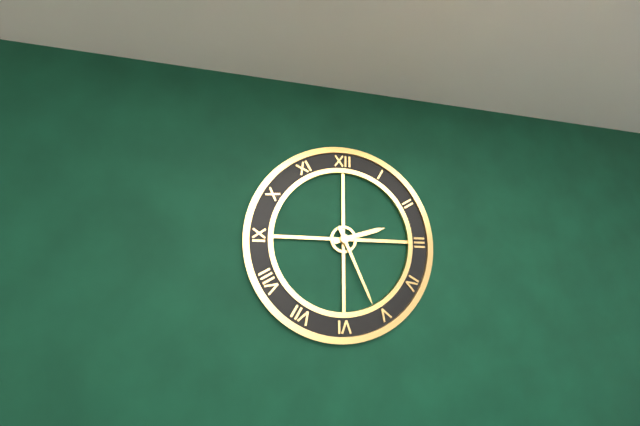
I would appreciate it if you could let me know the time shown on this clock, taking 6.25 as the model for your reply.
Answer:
2.26
